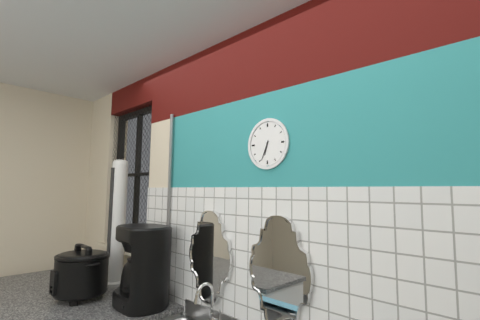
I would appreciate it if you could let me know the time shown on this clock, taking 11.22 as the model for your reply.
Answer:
6.34
